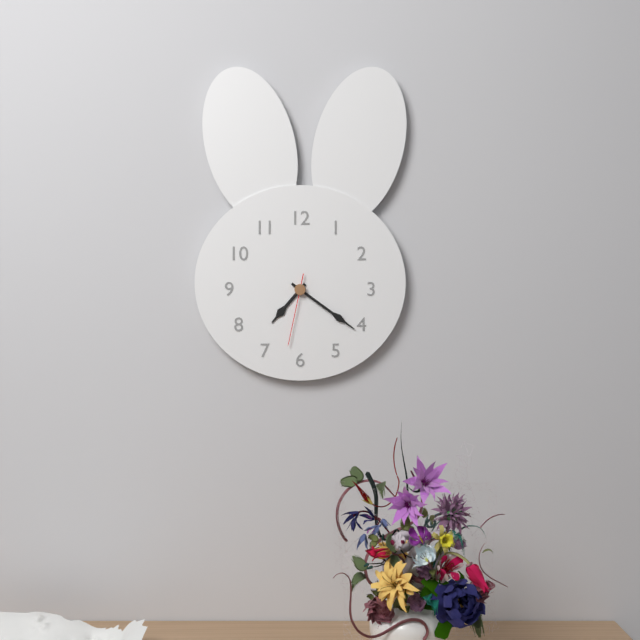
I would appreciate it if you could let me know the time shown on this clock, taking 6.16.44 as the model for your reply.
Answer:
7.21.32
